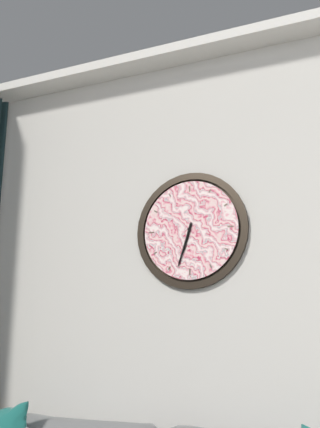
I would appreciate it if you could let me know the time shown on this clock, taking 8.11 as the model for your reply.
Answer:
6.33
